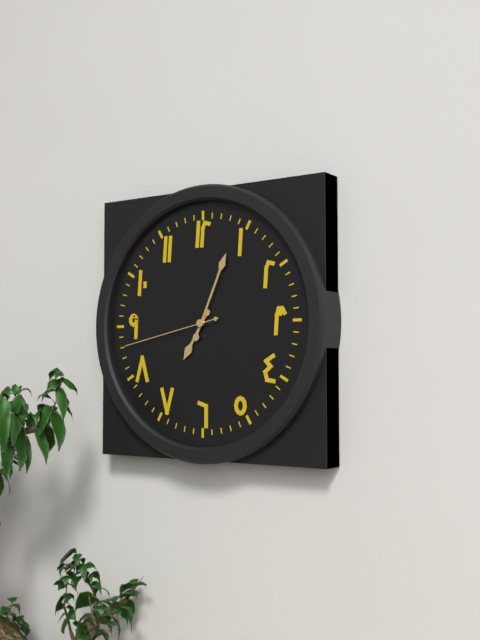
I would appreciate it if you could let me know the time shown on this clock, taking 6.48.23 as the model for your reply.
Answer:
7.04.43
